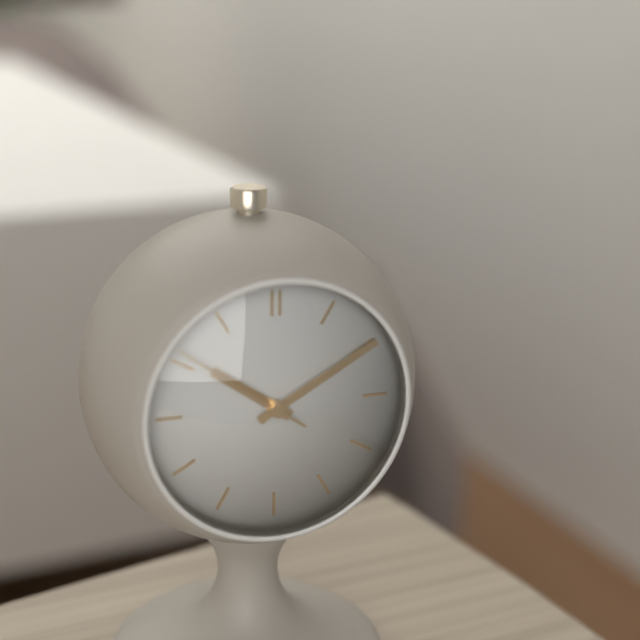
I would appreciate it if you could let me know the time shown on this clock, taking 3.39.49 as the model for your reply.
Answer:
10.10.51
